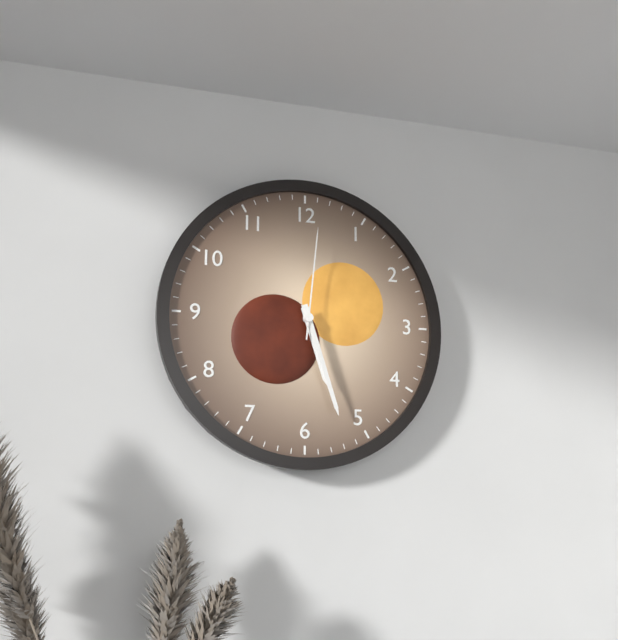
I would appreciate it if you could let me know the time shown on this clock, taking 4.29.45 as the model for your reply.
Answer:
5.27.01
